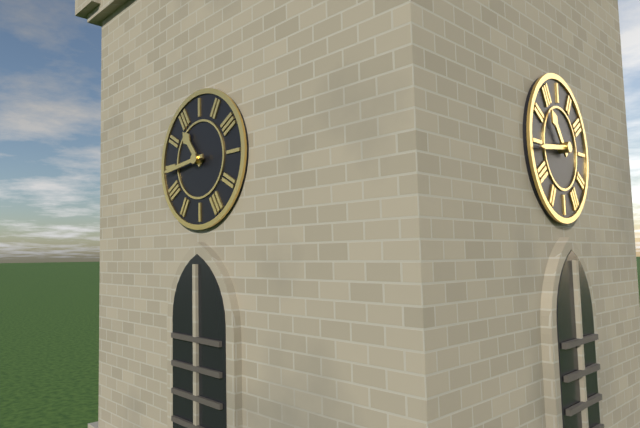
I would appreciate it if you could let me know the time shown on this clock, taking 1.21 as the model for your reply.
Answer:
10.44
